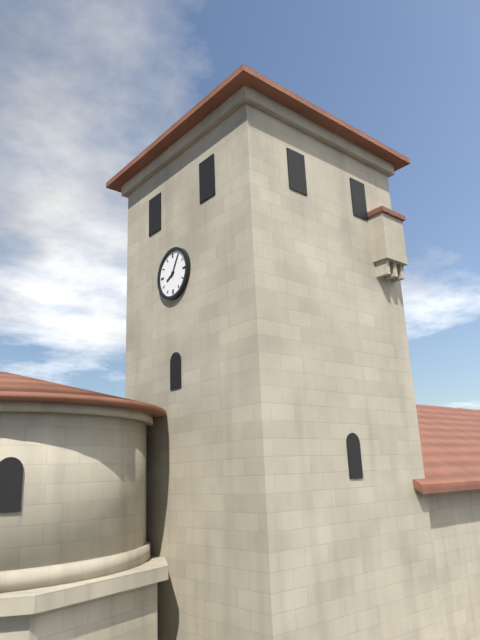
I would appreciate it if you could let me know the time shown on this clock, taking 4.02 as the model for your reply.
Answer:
8.05
